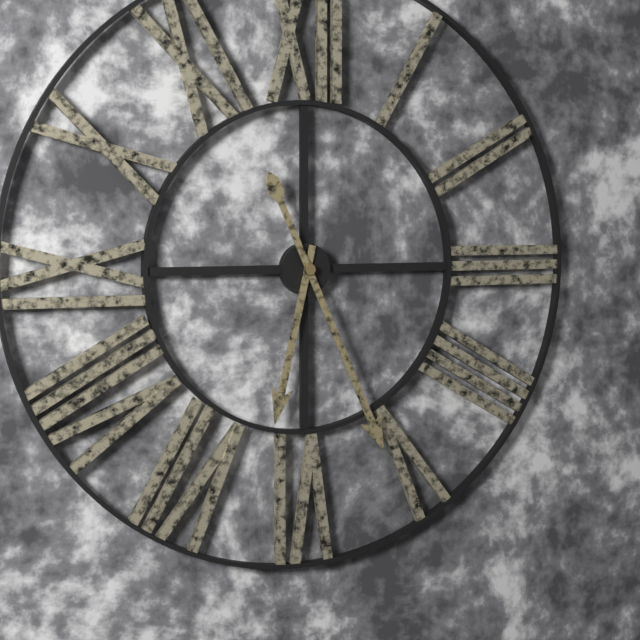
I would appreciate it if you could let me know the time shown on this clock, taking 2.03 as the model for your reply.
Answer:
6.26
